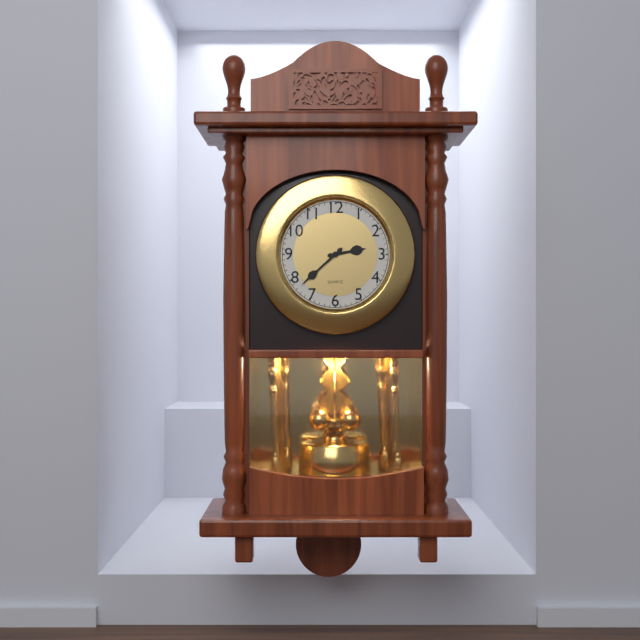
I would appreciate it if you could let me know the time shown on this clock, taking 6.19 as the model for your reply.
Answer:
2.38
